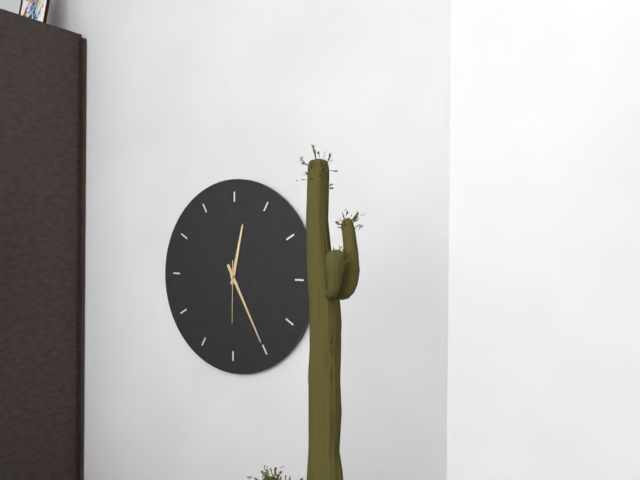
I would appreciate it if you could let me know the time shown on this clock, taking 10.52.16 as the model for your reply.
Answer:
12.25.30
